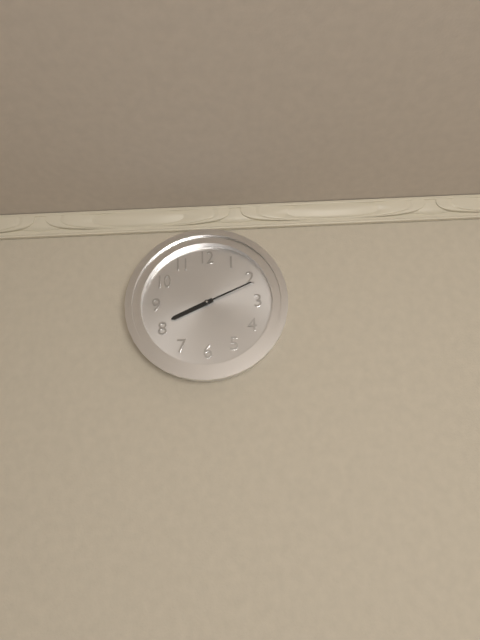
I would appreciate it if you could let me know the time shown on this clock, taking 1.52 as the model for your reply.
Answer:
8.11
